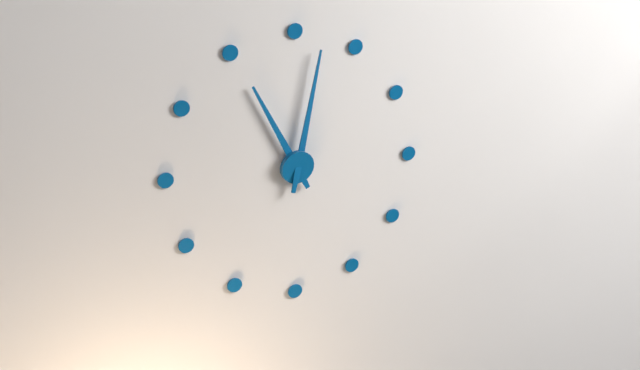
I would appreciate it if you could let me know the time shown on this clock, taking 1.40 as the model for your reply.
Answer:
11.02
